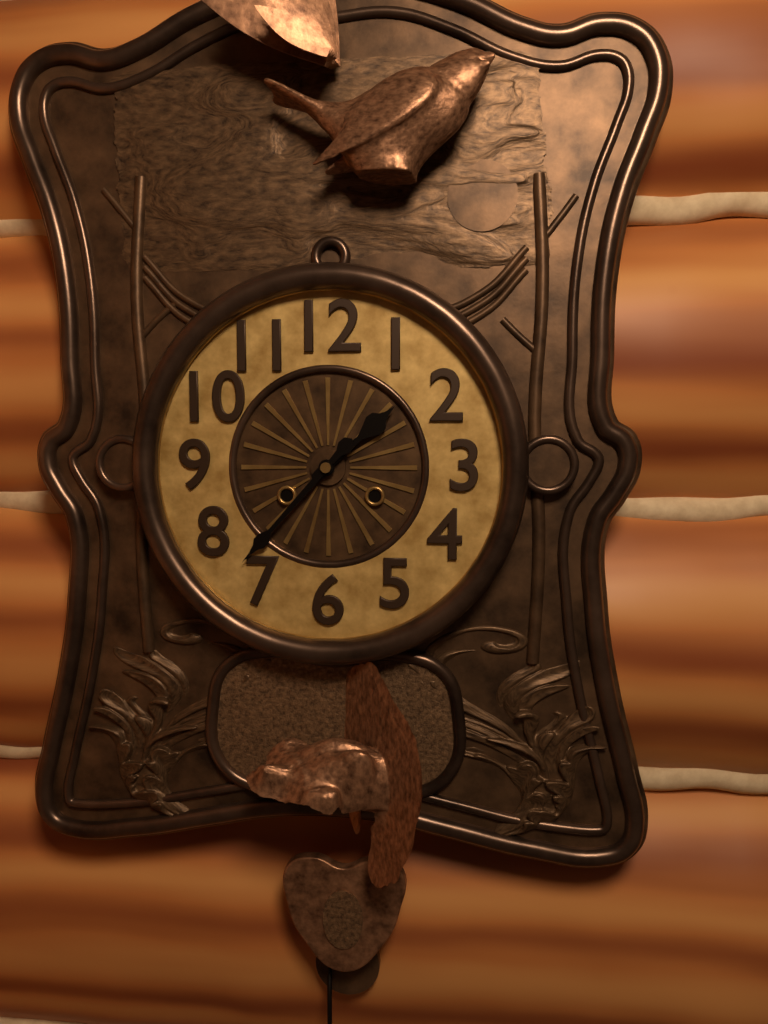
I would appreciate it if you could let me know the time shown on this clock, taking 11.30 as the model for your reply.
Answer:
1.37
